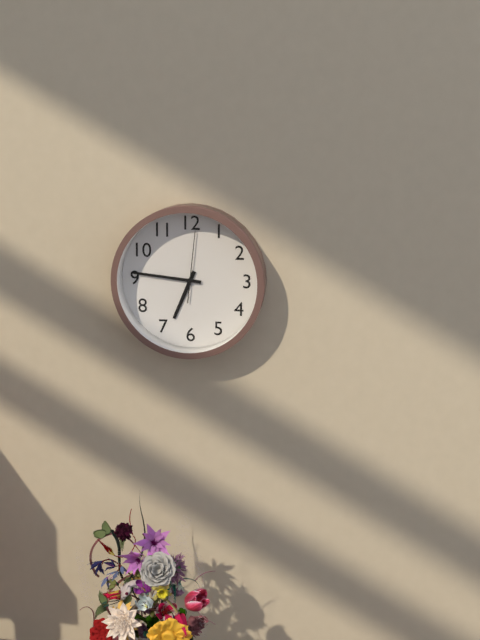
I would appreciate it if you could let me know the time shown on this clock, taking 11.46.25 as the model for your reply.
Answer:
6.46.01
